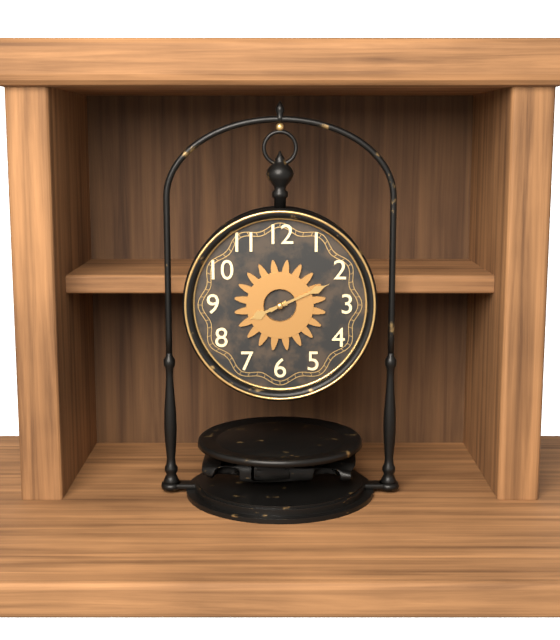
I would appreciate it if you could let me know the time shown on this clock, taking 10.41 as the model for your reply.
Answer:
8.11
